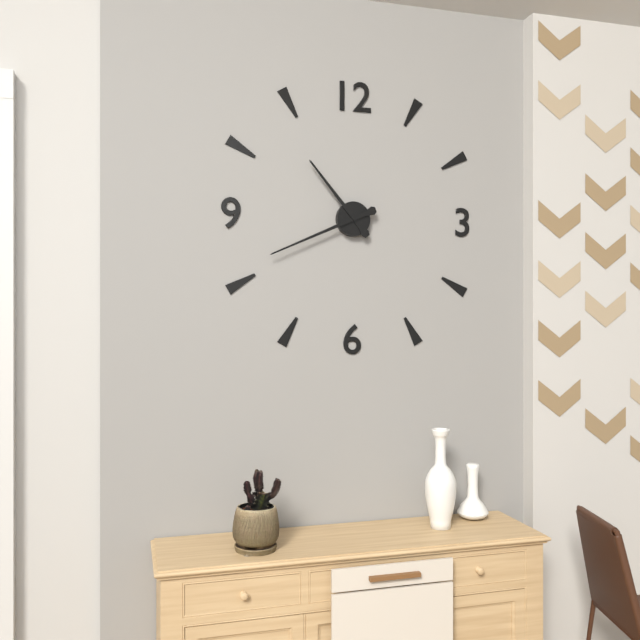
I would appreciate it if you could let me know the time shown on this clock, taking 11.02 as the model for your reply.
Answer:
10.41
